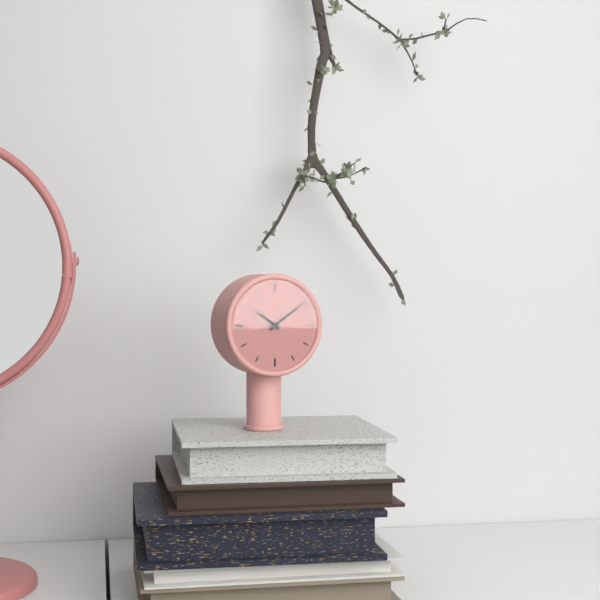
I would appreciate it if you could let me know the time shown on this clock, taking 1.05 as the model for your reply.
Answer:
10.09
